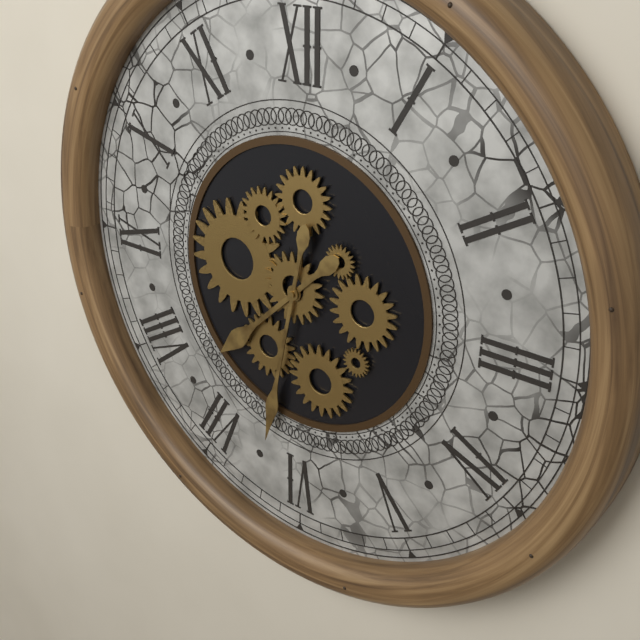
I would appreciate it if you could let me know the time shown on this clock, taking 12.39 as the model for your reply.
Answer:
7.32
